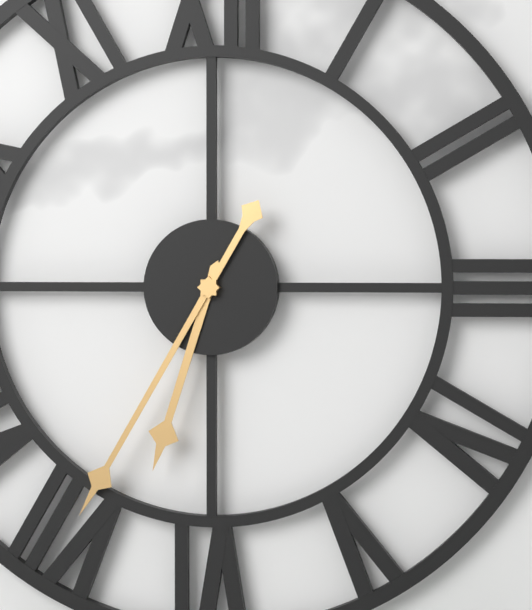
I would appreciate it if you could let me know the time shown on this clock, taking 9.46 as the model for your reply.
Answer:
6.35
